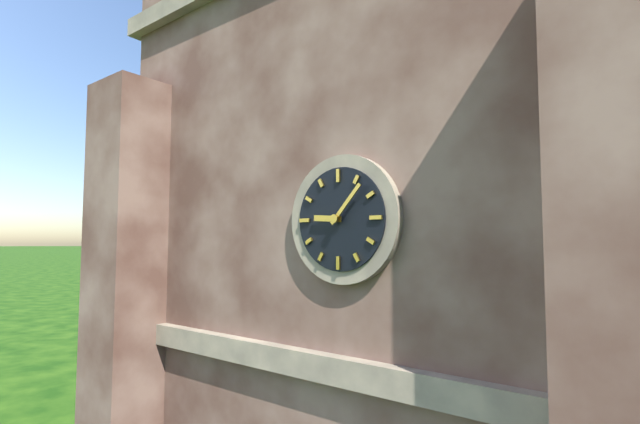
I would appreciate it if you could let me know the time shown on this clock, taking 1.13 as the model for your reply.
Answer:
9.07
